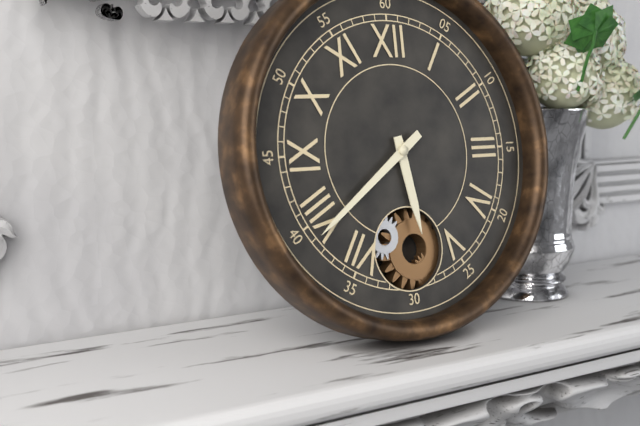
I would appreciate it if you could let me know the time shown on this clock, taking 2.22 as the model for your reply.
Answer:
5.39
